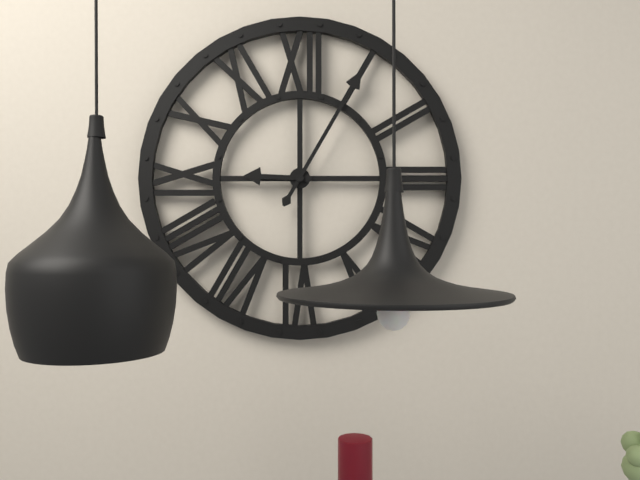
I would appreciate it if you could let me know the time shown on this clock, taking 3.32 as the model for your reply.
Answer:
9.05
